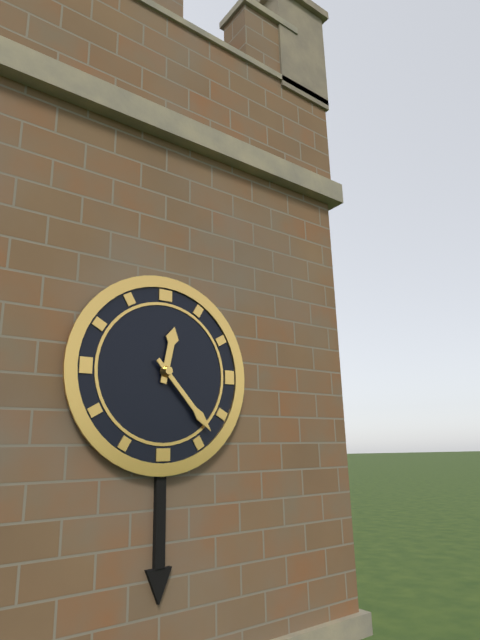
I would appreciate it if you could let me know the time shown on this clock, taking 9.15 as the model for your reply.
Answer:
12.23
